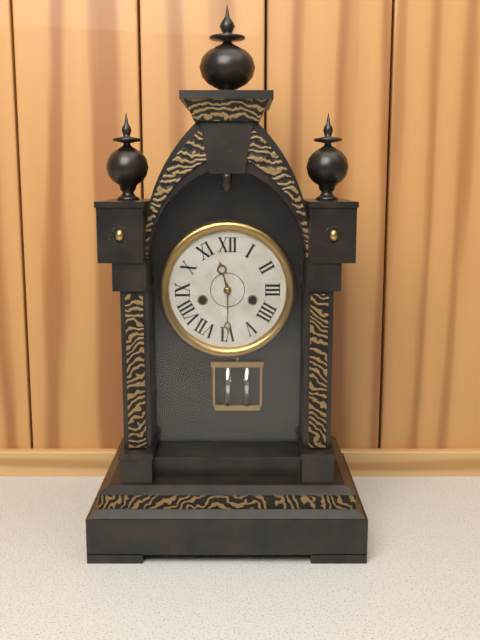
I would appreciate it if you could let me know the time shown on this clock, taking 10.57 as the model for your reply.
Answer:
11.30
